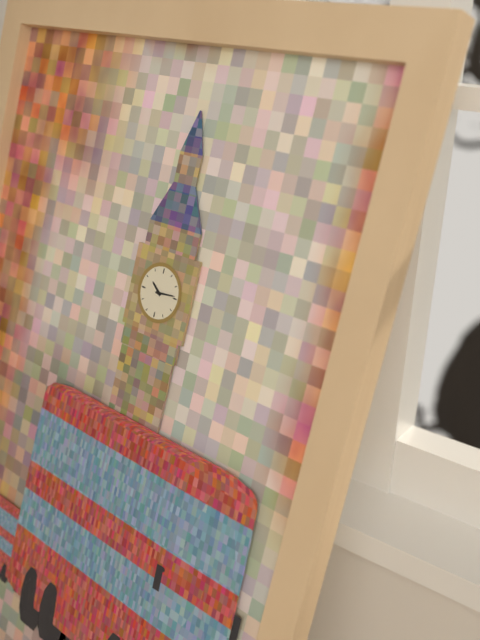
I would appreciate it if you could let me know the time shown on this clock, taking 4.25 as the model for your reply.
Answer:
10.14
